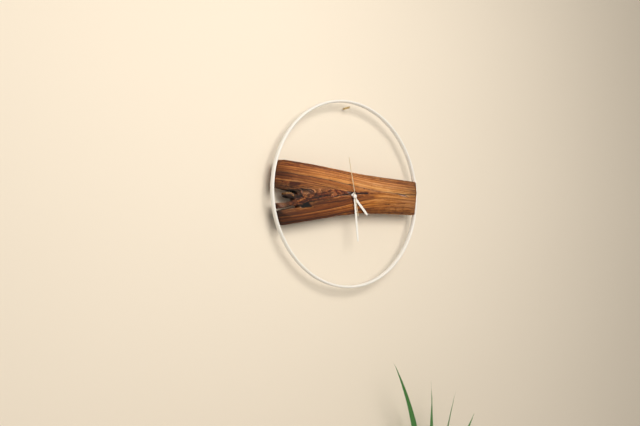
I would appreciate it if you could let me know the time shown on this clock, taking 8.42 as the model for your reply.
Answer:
4.29
